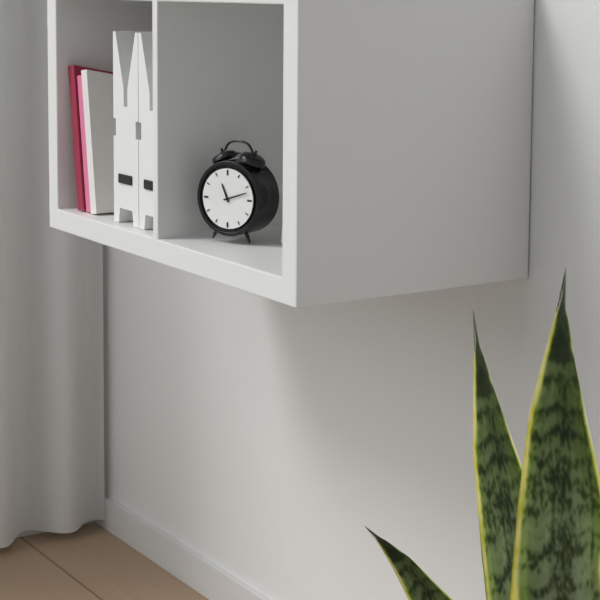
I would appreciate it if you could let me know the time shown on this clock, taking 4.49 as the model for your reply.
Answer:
11.12
